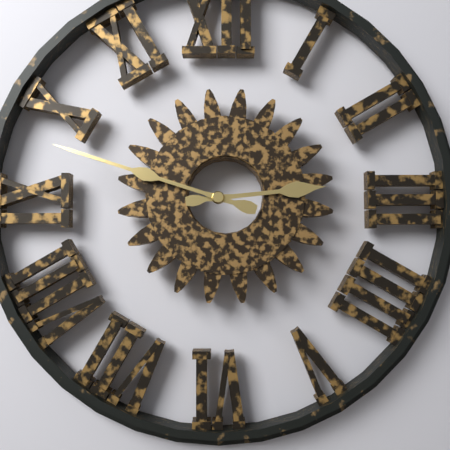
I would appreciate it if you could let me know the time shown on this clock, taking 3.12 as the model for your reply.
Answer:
2.48
